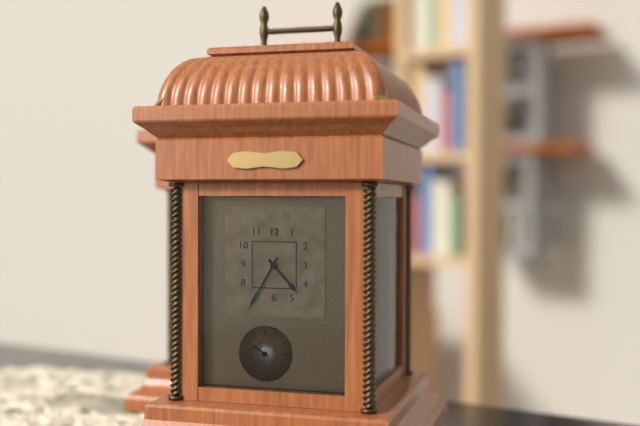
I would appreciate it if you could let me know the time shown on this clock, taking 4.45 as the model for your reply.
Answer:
4.35
